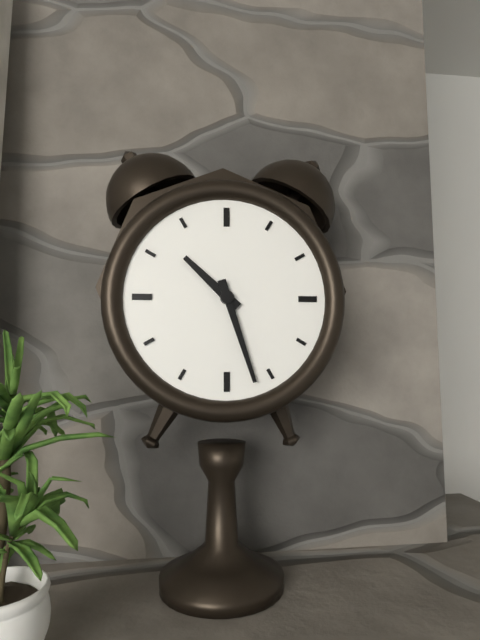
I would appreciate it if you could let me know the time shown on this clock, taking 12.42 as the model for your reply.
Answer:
10.27
